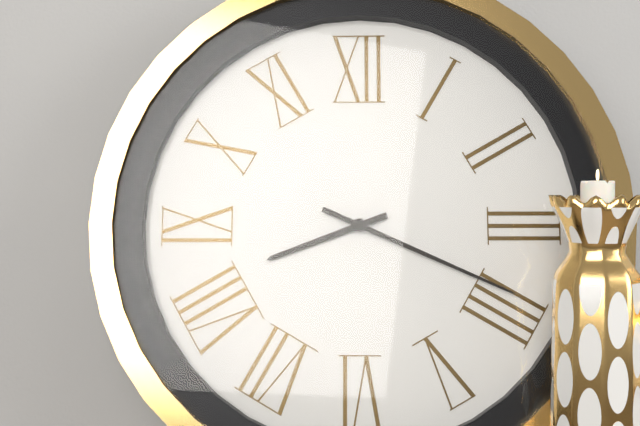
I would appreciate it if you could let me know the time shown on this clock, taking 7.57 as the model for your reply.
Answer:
8.19
